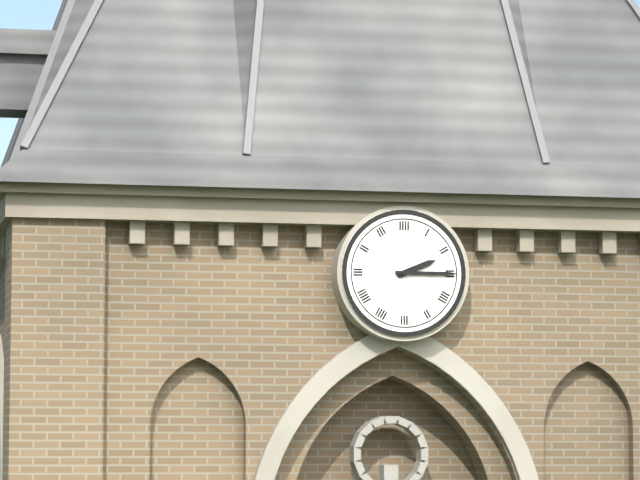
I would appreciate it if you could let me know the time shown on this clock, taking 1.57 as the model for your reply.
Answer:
2.15
